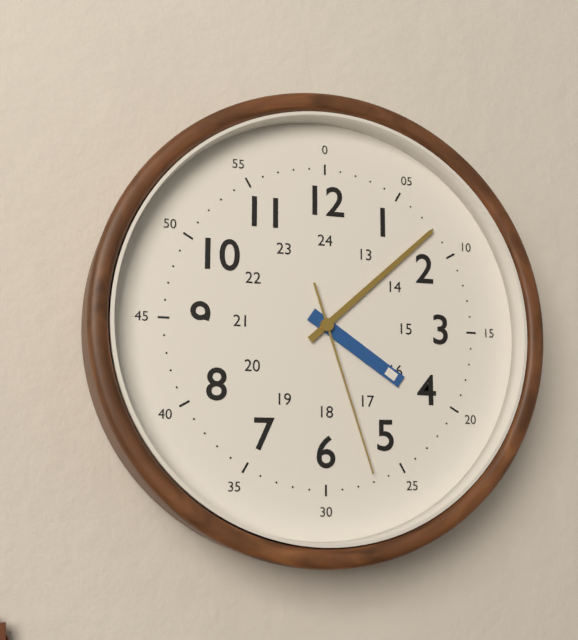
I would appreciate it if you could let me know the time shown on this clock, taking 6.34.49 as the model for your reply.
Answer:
4.08.27
